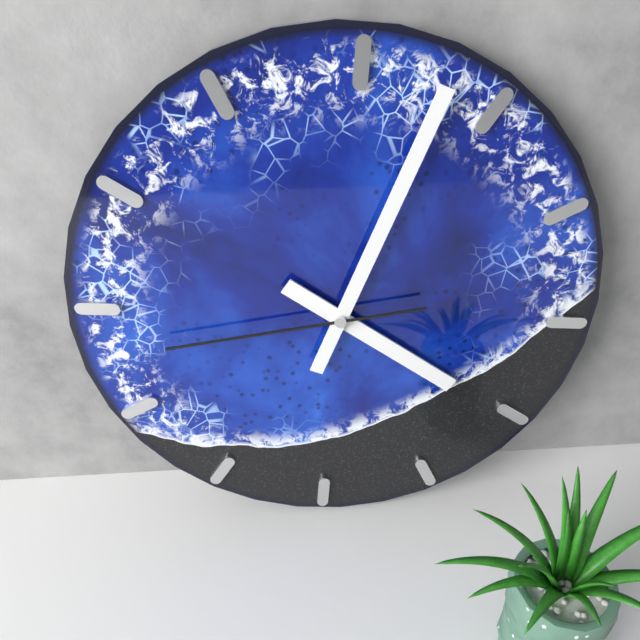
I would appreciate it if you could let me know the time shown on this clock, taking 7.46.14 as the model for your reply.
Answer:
4.03.43
